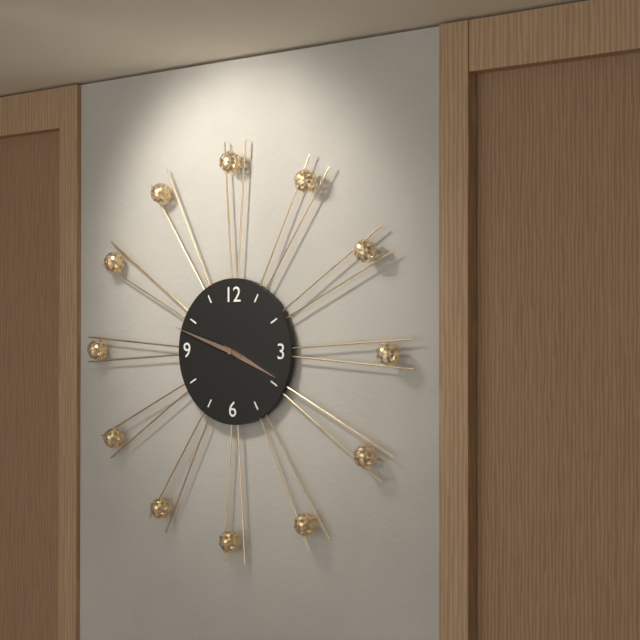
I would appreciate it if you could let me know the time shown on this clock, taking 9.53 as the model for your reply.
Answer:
3.48
